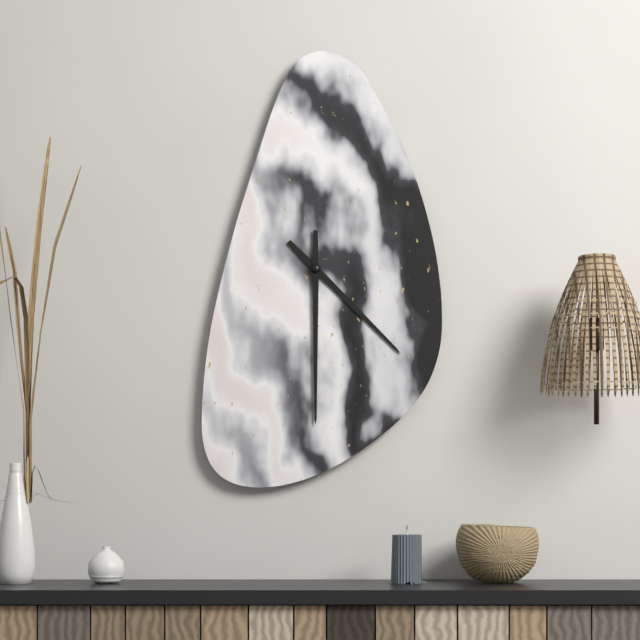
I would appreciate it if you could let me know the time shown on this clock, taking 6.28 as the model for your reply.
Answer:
4.30
